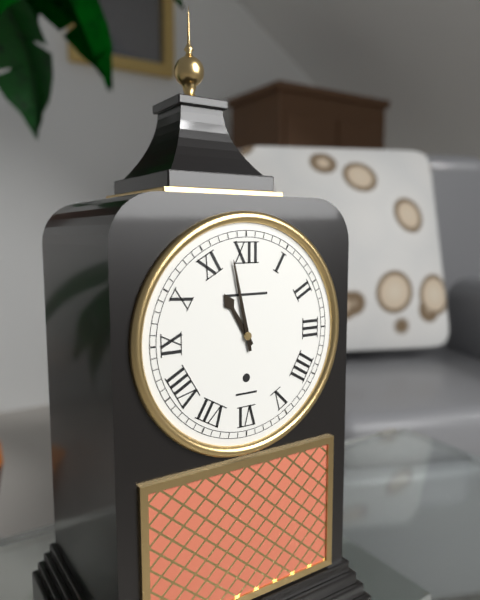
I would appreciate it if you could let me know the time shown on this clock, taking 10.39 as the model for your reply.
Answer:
10.58
